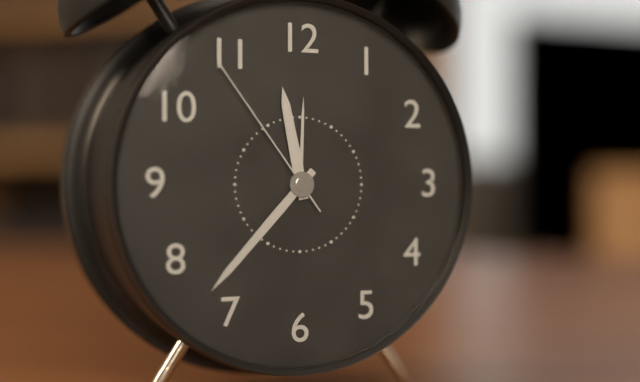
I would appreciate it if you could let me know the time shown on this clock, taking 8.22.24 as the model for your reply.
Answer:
11.37.54
